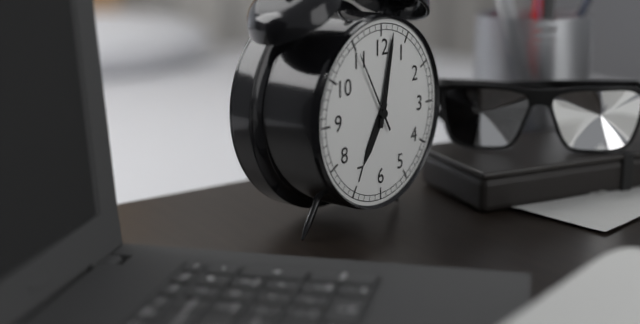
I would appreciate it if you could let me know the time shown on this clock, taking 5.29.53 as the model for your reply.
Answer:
7.02.55
